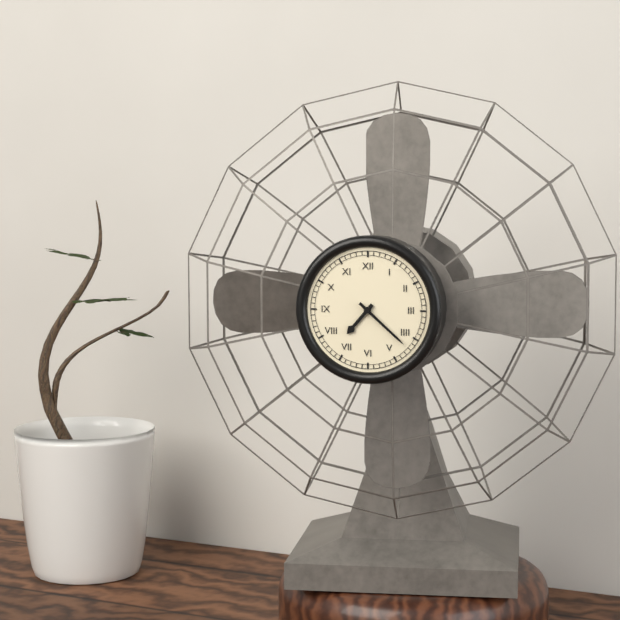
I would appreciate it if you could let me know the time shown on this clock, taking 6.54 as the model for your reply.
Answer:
7.22
